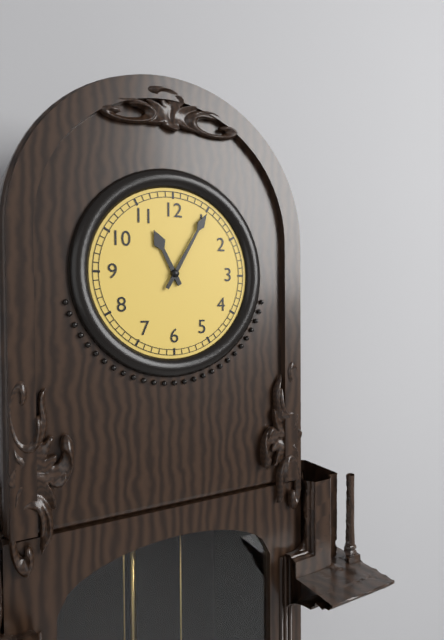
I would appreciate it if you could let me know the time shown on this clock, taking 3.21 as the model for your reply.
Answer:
11.05
